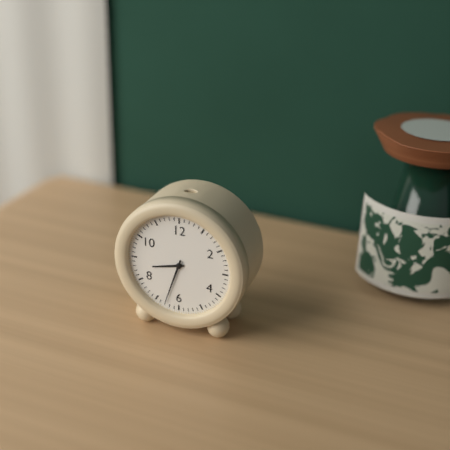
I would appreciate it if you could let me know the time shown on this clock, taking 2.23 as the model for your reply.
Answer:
8.33
